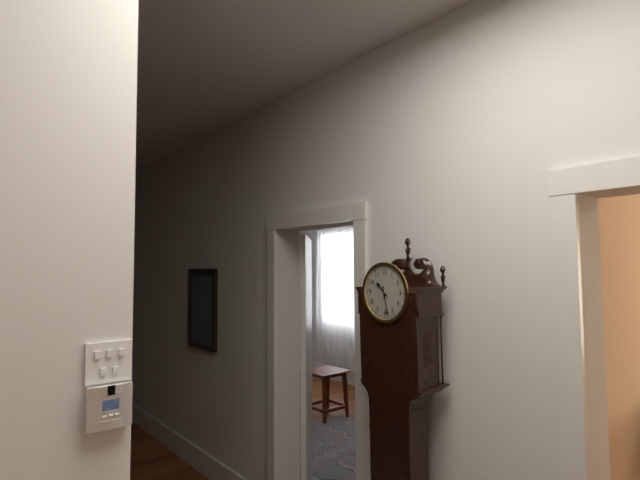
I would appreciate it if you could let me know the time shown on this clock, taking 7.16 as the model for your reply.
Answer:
10.28
